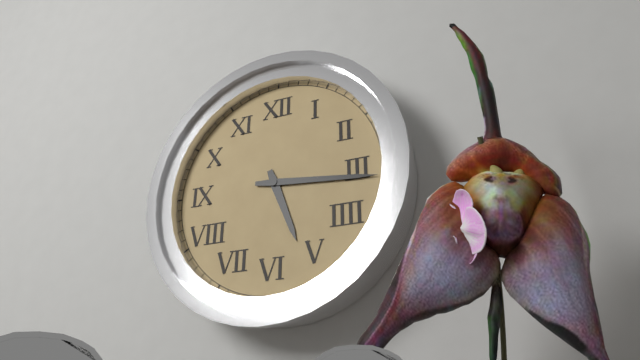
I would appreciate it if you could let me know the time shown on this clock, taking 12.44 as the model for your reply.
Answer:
5.16
